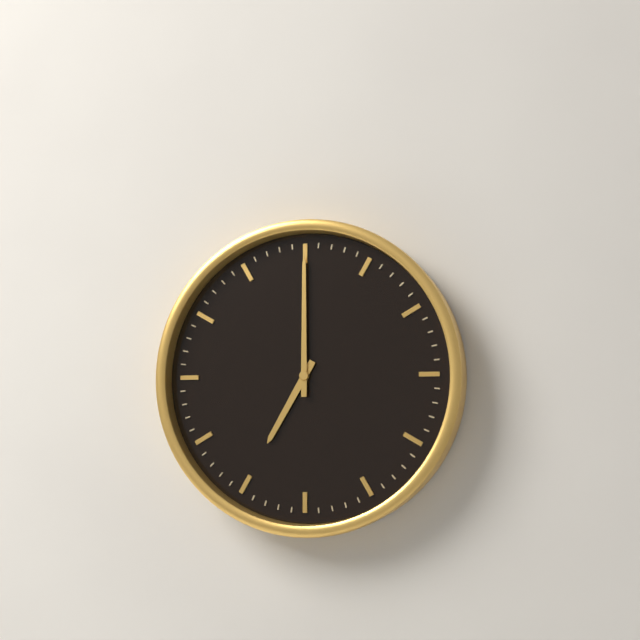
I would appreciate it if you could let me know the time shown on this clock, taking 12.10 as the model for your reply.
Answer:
7.00
